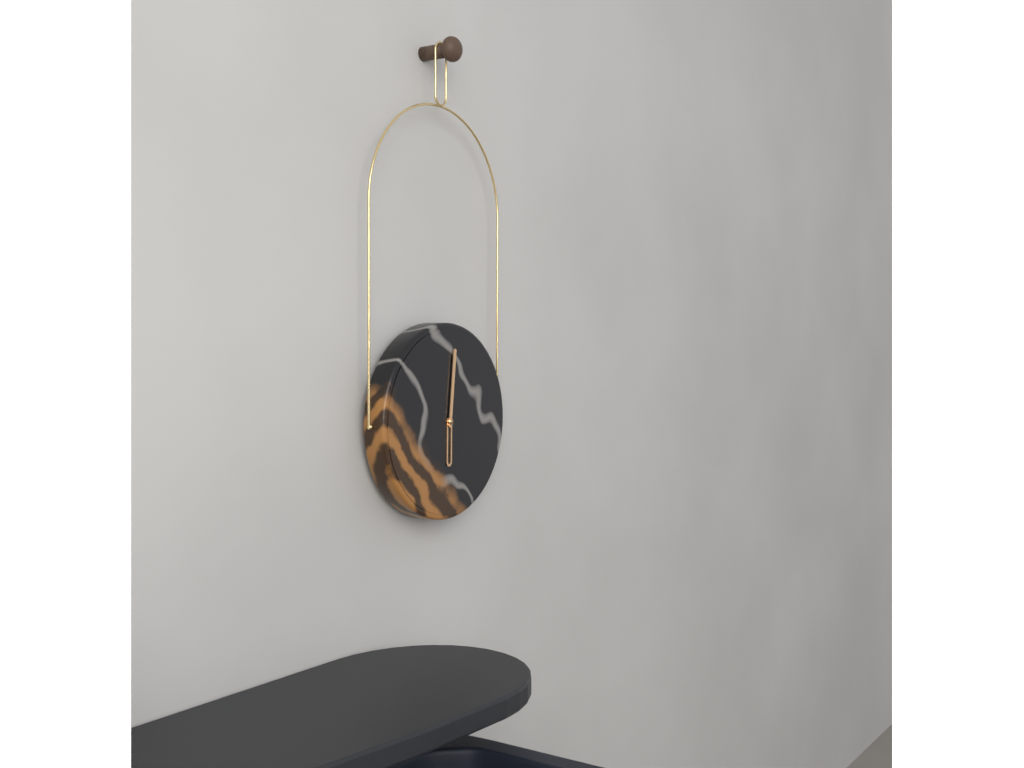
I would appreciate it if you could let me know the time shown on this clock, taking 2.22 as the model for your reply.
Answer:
6.01
